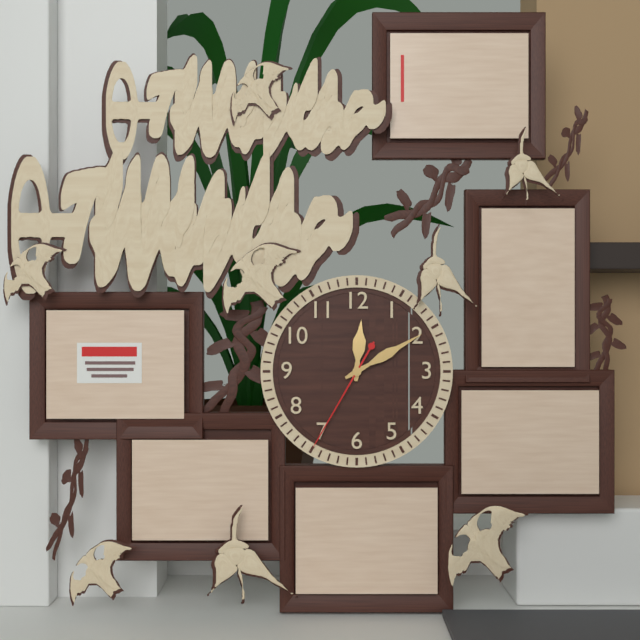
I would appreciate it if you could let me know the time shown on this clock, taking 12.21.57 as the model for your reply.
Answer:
12.10.35
